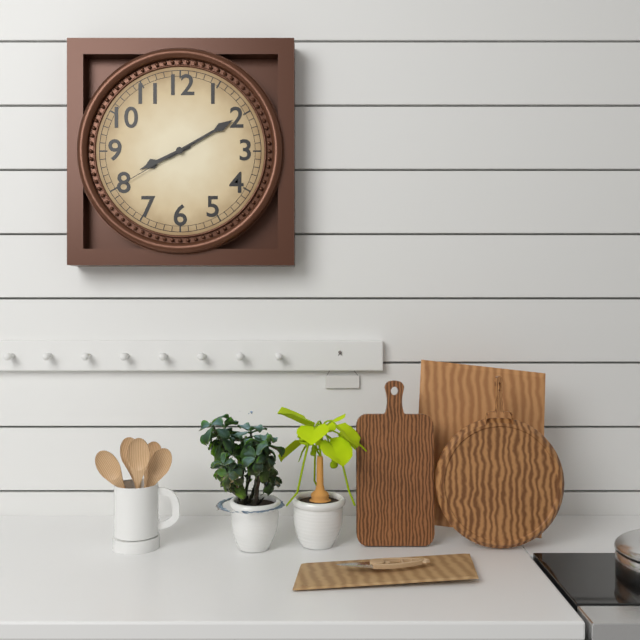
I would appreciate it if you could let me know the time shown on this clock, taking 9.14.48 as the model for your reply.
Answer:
8.10.40
